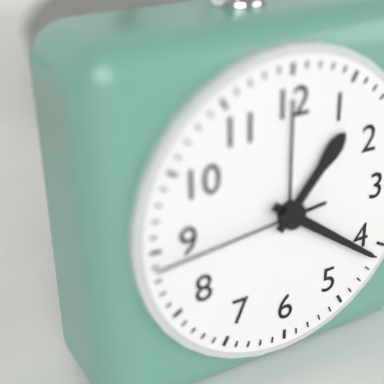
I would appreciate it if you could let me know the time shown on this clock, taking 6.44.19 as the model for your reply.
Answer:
1.21.44
